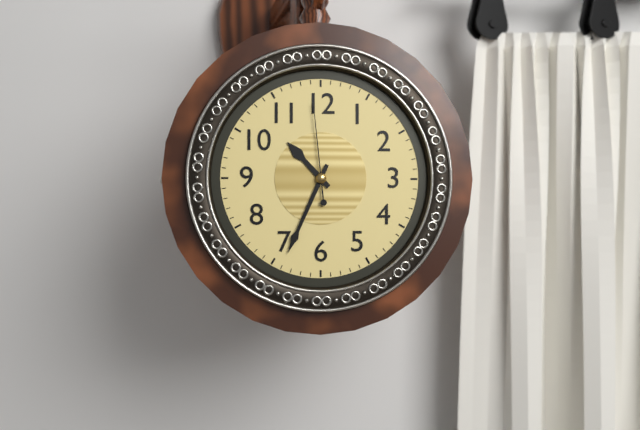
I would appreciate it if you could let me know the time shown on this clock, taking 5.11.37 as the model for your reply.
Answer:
10.34.59
